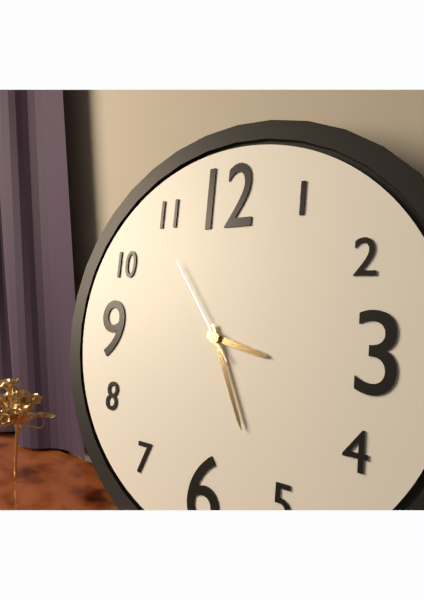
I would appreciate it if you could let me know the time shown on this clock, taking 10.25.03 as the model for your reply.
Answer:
3.26.54
